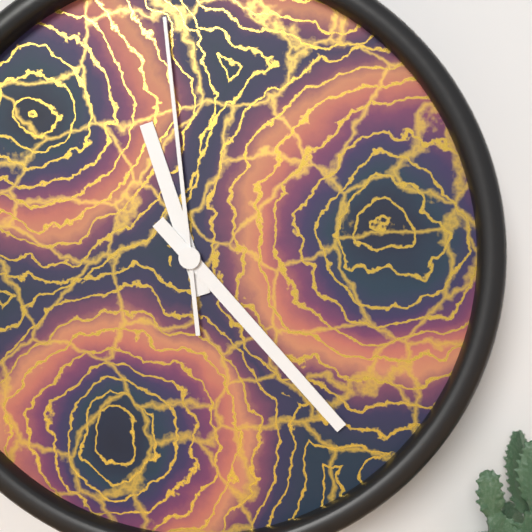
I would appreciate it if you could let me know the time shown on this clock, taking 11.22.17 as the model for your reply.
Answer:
11.23.59
